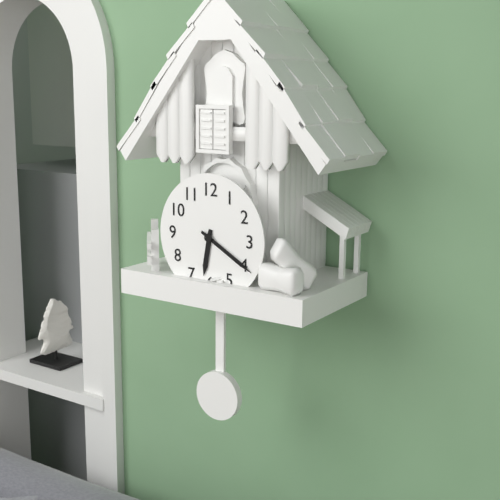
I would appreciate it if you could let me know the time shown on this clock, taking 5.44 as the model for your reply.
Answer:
6.20
